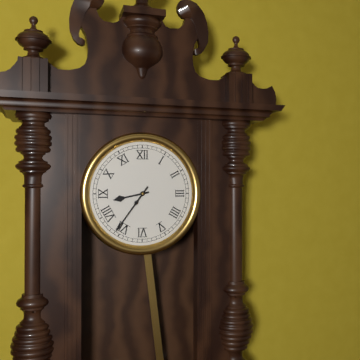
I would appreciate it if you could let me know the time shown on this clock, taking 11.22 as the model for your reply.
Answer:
8.36
